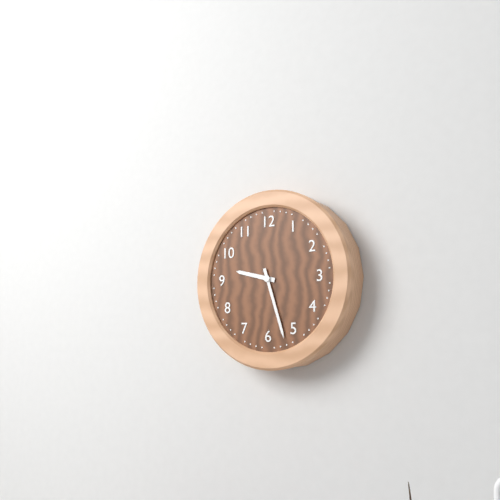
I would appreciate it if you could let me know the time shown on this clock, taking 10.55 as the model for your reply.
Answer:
9.27
